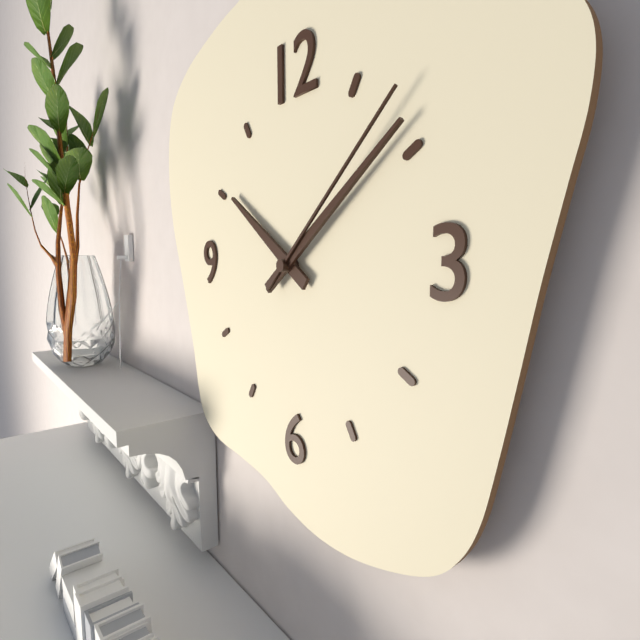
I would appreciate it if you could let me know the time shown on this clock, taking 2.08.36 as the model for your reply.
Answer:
10.09.08
